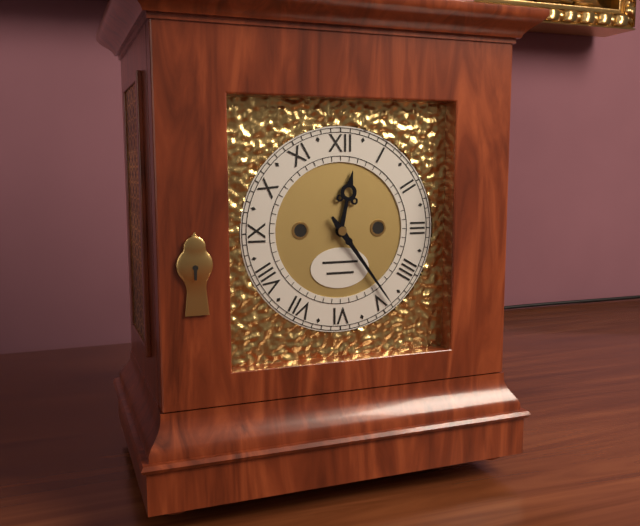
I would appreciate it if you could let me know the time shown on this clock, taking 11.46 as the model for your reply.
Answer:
12.24
